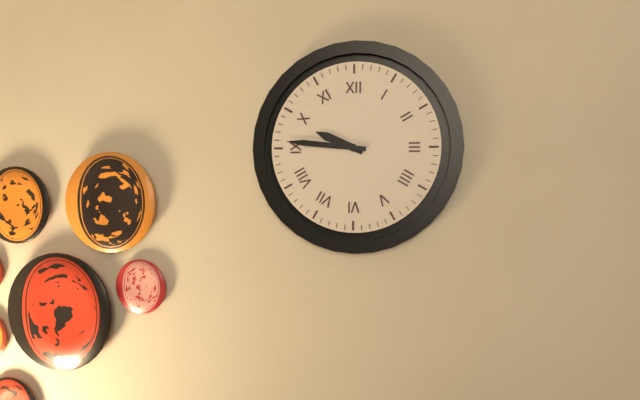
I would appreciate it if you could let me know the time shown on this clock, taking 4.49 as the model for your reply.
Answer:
9.46
